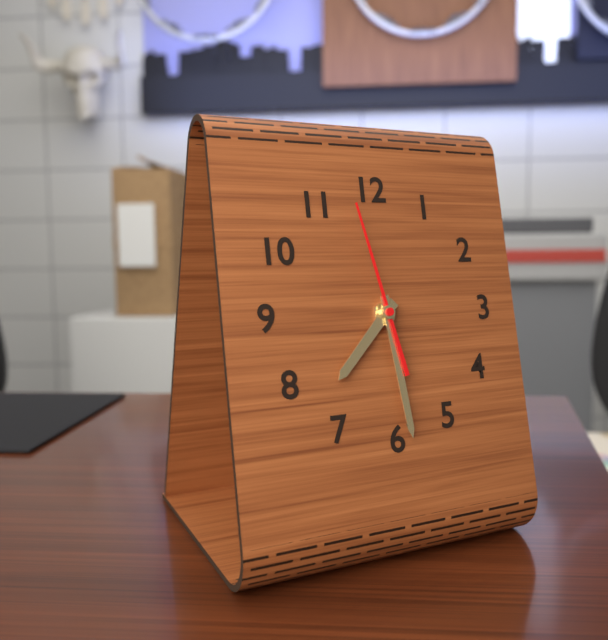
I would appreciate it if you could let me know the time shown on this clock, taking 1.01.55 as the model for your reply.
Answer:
7.29.58
